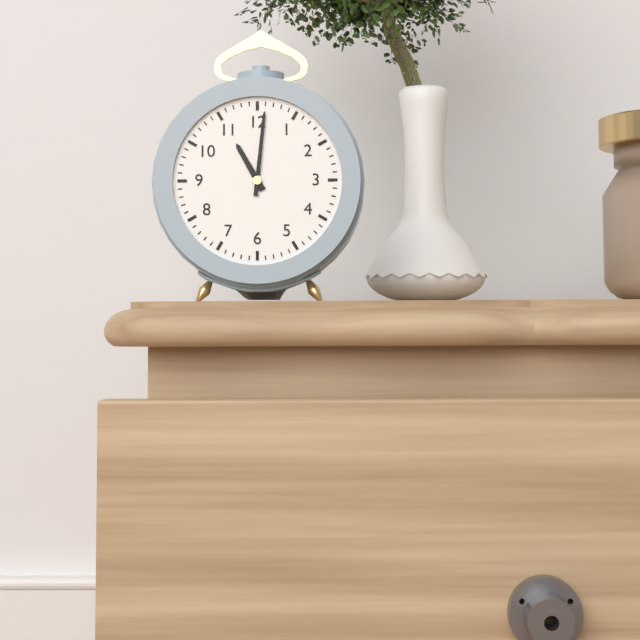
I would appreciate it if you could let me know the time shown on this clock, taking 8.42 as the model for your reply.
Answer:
11.01
